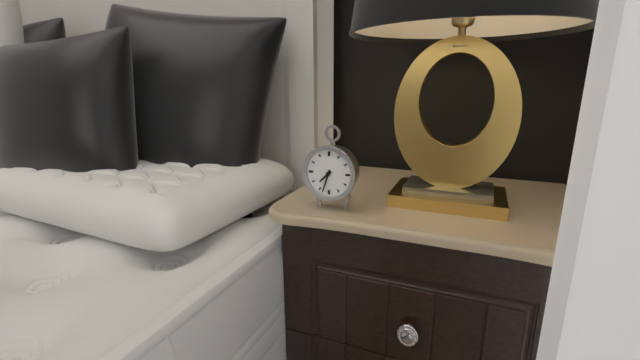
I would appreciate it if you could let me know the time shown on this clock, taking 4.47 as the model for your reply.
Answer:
7.33
